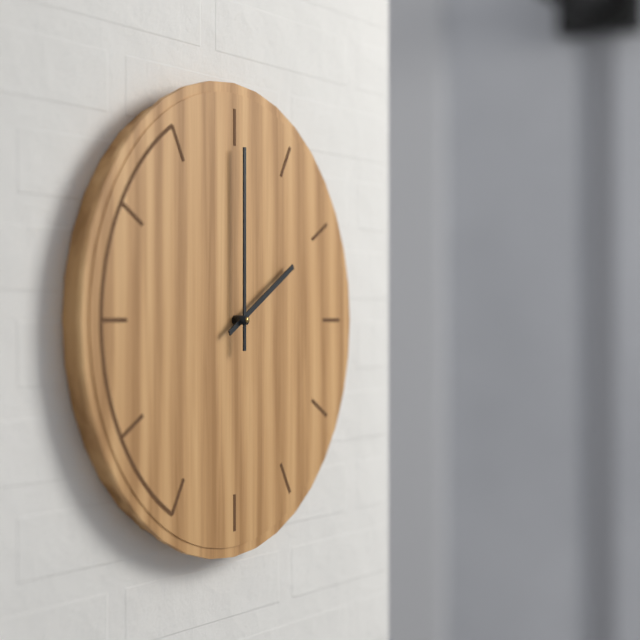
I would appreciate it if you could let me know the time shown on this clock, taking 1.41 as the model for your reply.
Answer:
2.00
